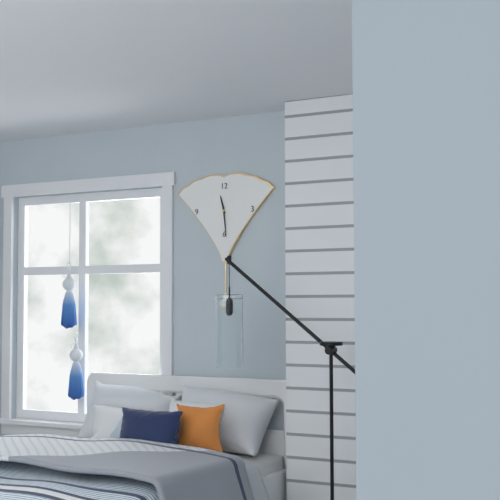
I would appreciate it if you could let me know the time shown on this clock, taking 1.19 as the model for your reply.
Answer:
11.29
